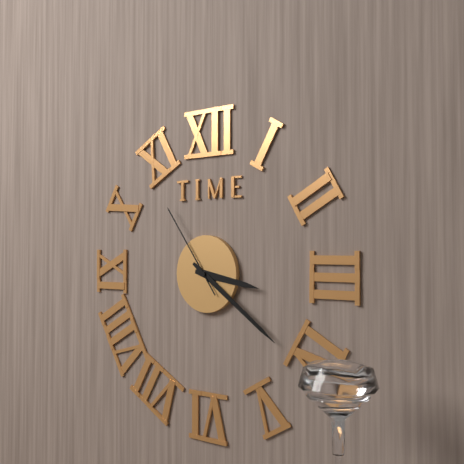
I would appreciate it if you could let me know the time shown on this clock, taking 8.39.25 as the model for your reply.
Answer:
3.21.54
